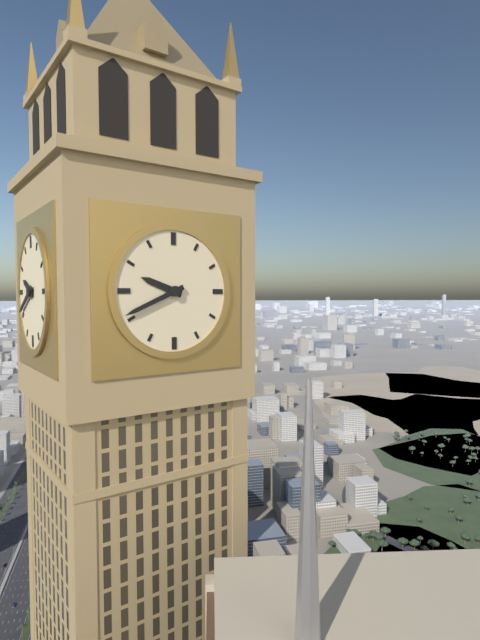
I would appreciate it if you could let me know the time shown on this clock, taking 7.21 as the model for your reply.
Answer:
9.41
